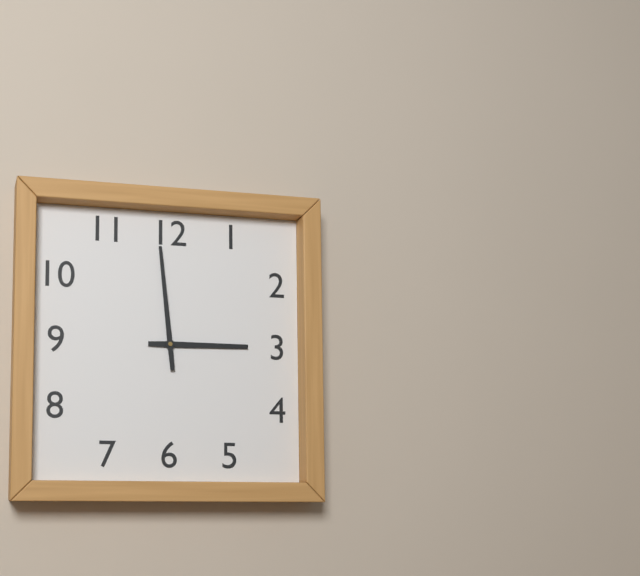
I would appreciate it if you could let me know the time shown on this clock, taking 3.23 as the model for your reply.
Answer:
2.59
